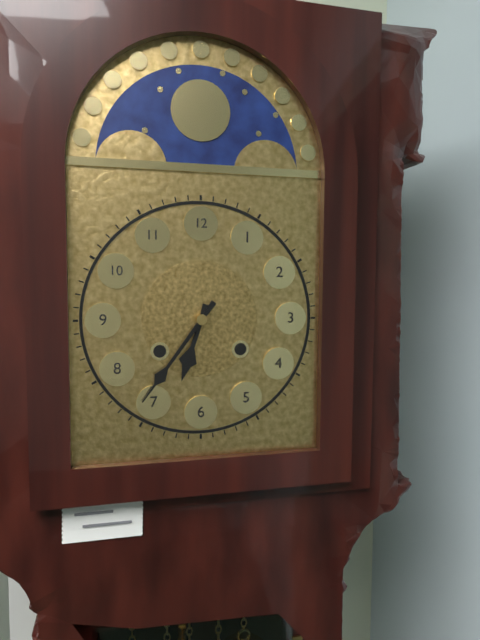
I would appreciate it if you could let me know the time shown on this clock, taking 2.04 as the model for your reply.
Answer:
6.36
